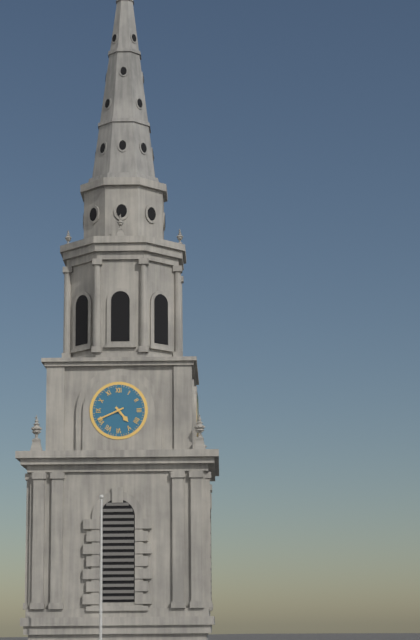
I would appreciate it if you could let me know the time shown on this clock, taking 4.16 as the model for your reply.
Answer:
4.41
